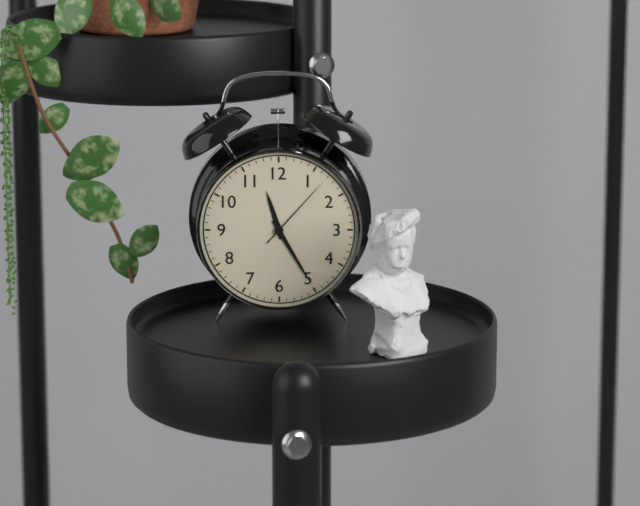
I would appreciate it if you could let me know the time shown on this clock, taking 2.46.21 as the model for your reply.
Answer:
11.25.07
